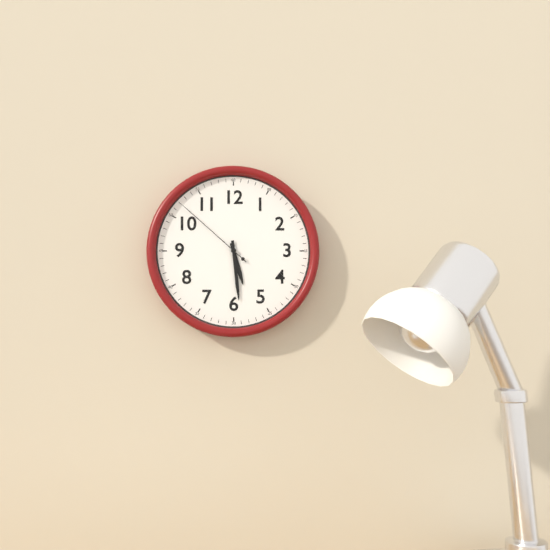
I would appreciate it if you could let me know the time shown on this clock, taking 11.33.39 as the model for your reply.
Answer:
5.29.52
